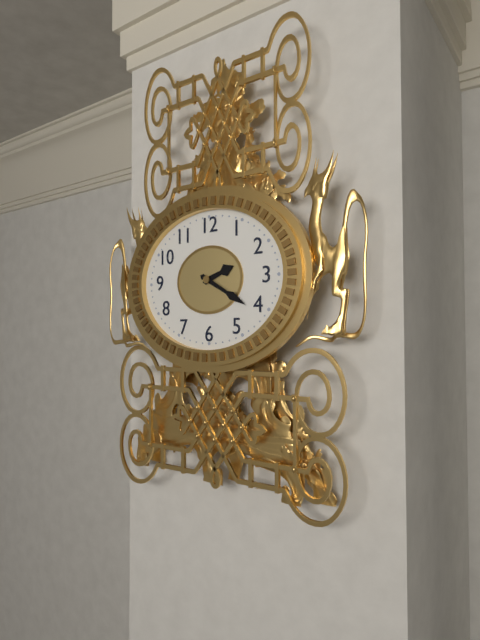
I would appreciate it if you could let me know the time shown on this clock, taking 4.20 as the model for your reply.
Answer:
2.20
